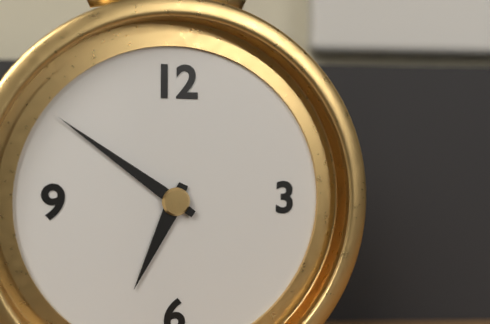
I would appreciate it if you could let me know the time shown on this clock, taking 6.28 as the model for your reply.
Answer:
6.51
